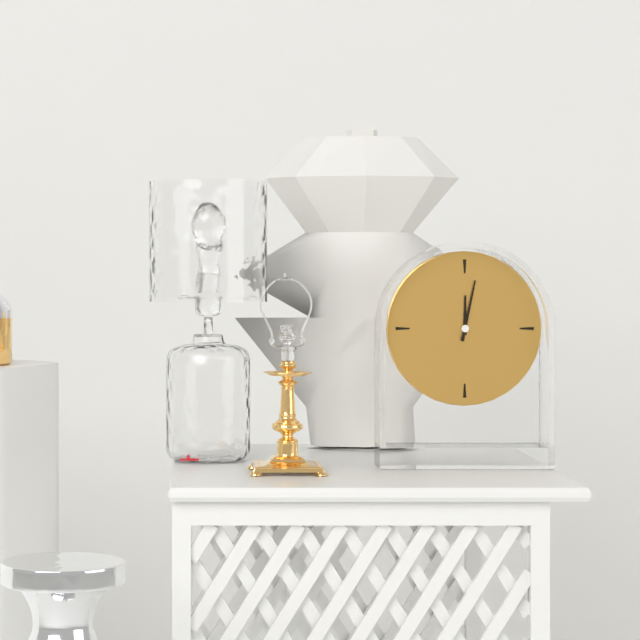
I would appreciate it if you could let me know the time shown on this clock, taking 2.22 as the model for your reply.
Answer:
12.02
